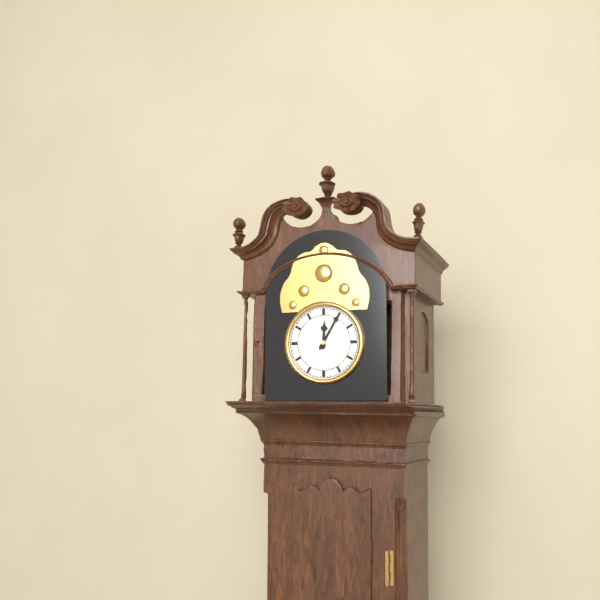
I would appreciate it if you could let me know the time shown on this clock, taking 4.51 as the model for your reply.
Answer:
12.05
